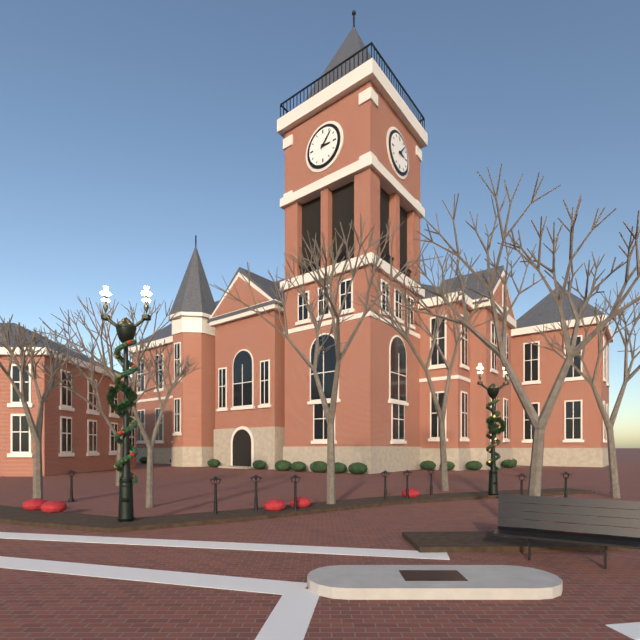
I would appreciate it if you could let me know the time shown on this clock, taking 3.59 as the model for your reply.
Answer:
3.07
